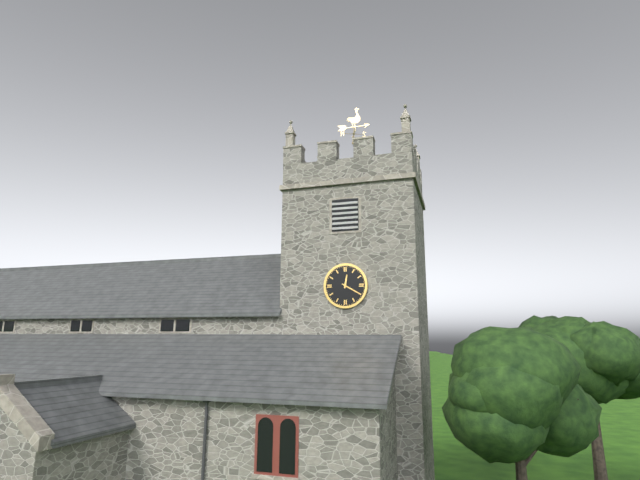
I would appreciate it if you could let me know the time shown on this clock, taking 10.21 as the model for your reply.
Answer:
12.20
